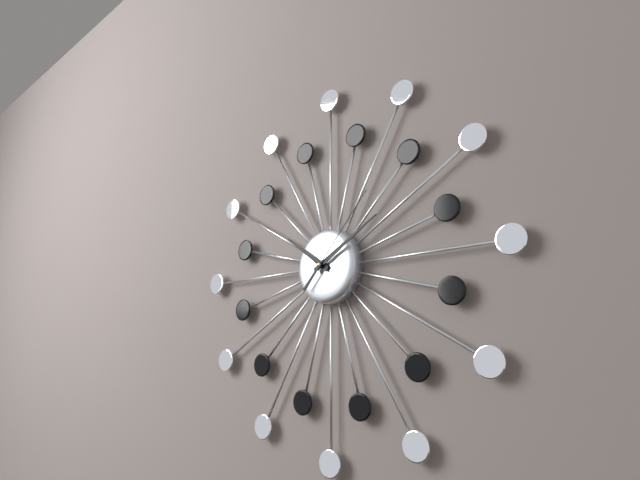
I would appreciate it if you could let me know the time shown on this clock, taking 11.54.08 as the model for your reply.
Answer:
10.10.07
